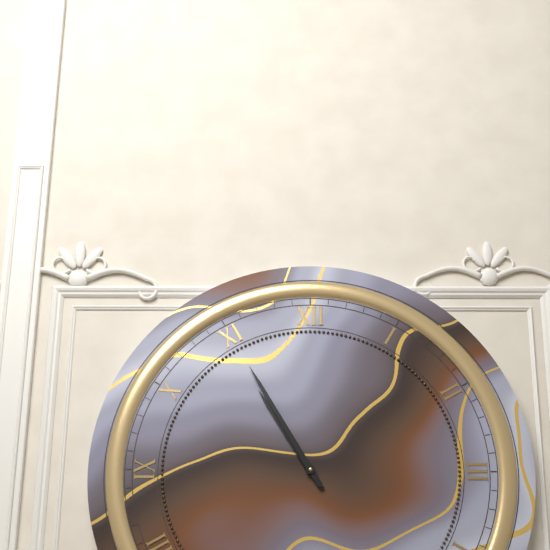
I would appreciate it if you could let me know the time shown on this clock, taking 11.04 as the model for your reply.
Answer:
10.55
